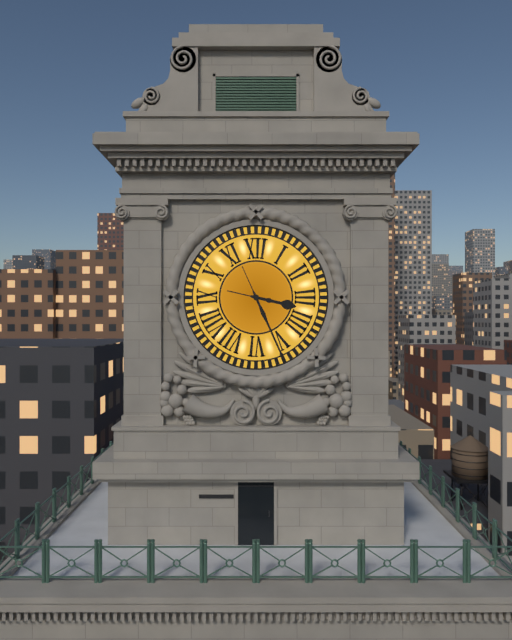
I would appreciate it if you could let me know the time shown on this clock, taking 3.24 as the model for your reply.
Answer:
3.26
